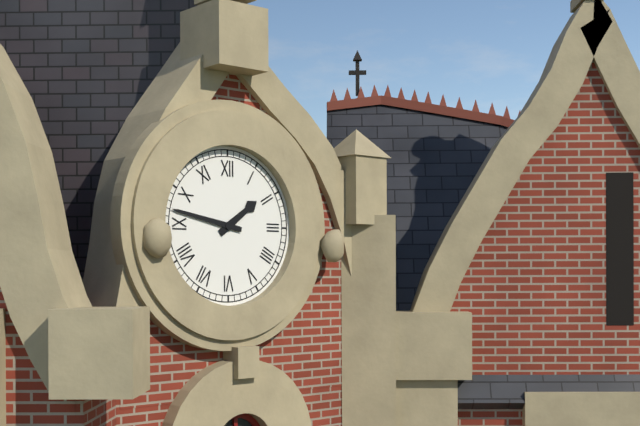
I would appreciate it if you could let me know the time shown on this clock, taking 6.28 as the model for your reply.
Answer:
1.47
